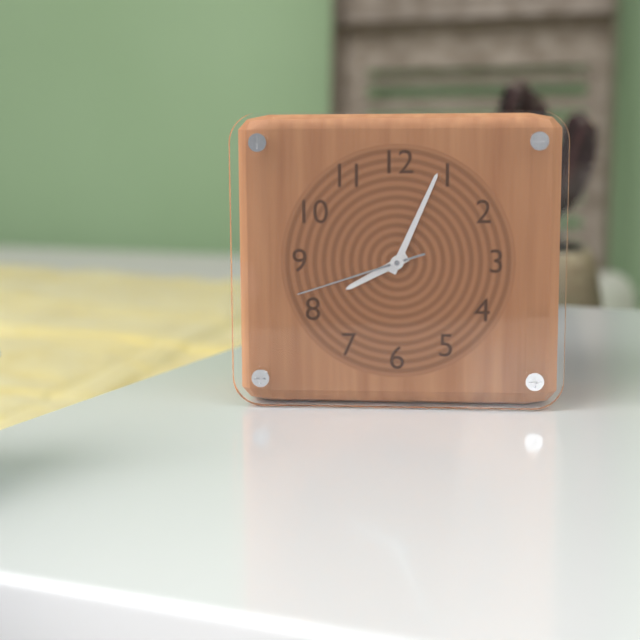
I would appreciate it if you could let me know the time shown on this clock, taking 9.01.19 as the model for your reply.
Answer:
8.04.42
